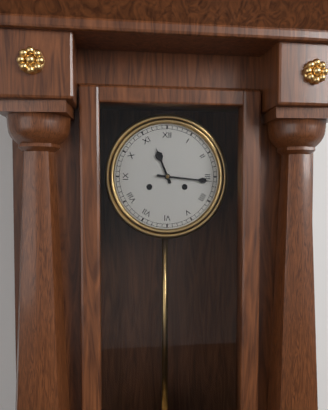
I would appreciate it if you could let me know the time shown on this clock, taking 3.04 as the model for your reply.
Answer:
11.16
